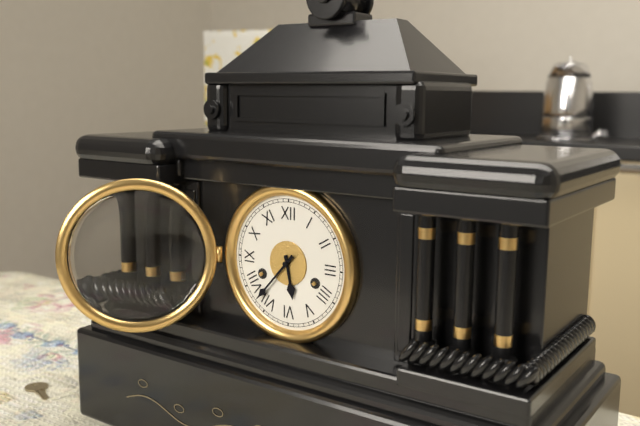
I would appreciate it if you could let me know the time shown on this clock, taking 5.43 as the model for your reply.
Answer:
5.37
